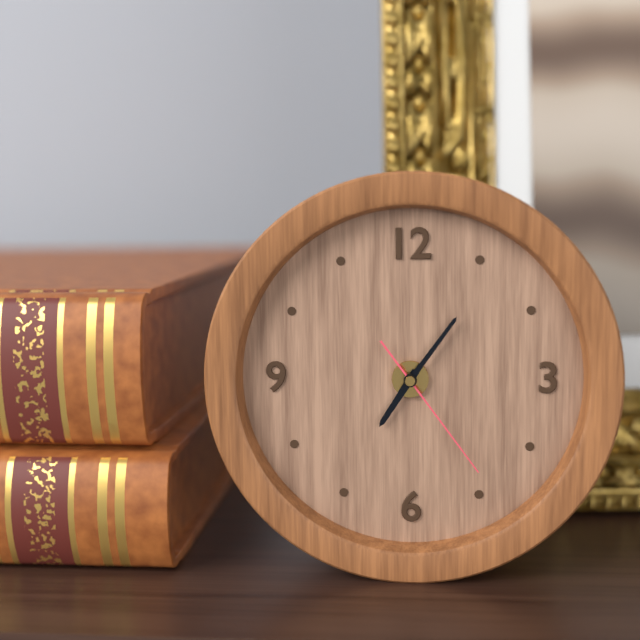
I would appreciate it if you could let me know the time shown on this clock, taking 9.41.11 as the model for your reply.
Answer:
7.06.24
